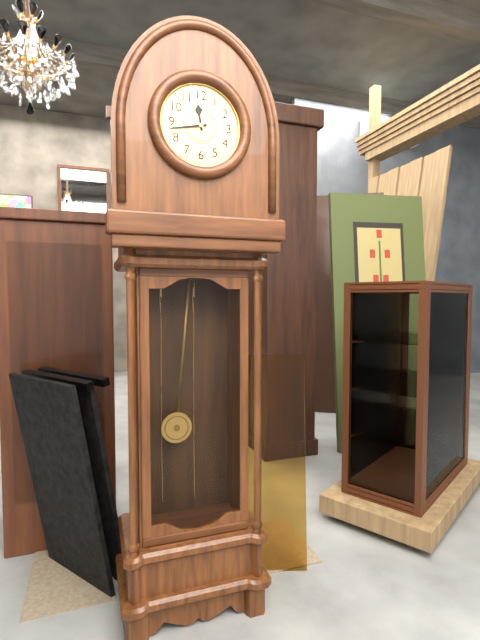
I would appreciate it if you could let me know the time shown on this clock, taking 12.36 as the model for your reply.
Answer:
11.43
